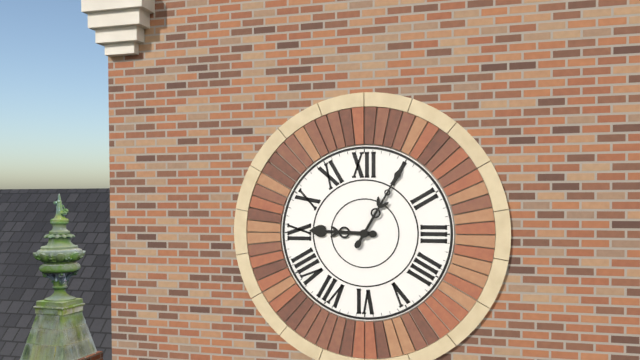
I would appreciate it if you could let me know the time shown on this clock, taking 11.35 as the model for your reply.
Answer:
9.05
